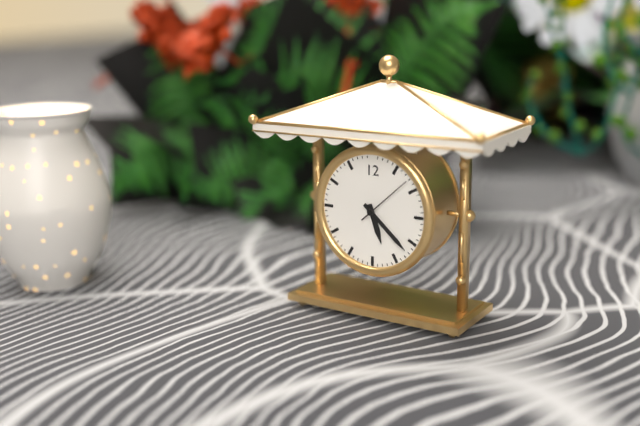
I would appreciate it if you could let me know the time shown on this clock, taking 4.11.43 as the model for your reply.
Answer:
5.22.08
